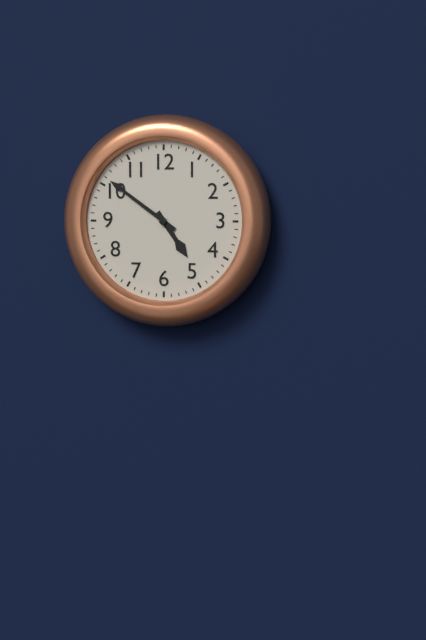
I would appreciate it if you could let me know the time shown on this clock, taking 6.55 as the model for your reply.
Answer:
4.51
